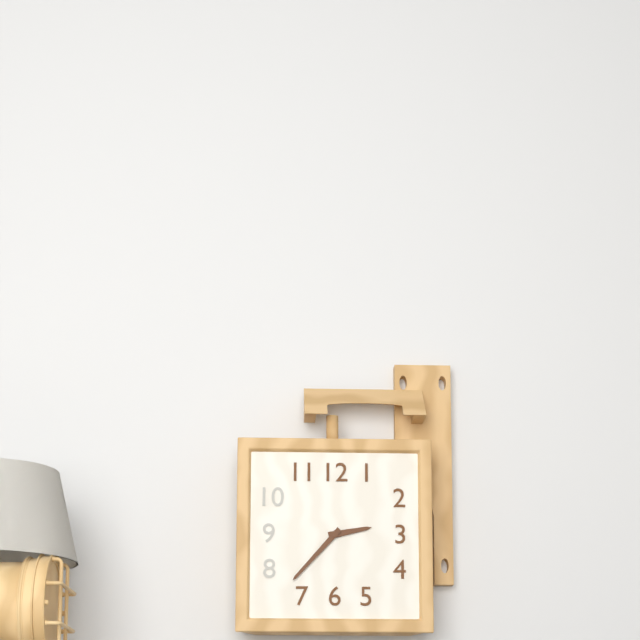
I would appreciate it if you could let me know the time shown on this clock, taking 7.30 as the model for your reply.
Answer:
2.37
